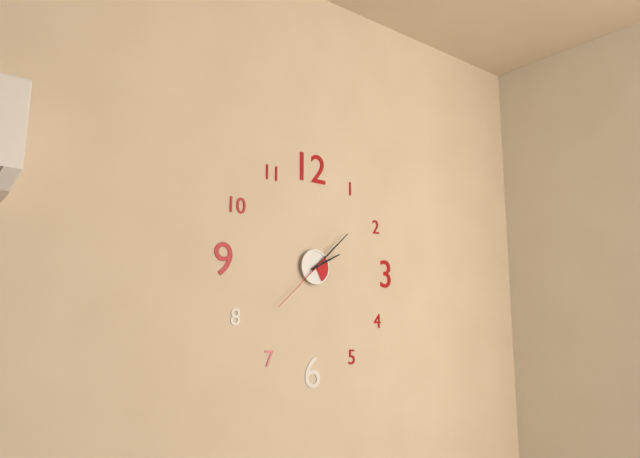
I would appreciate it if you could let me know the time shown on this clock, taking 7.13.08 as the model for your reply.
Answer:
2.08.38
